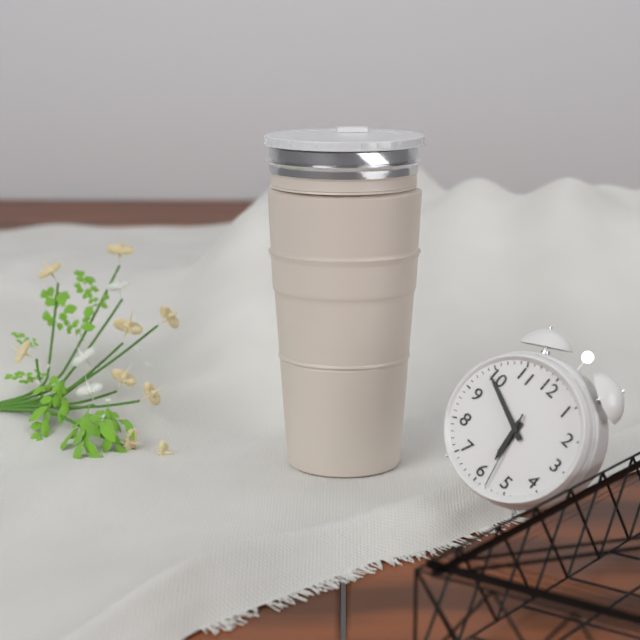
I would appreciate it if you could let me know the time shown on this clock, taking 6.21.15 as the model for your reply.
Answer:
5.49.28
